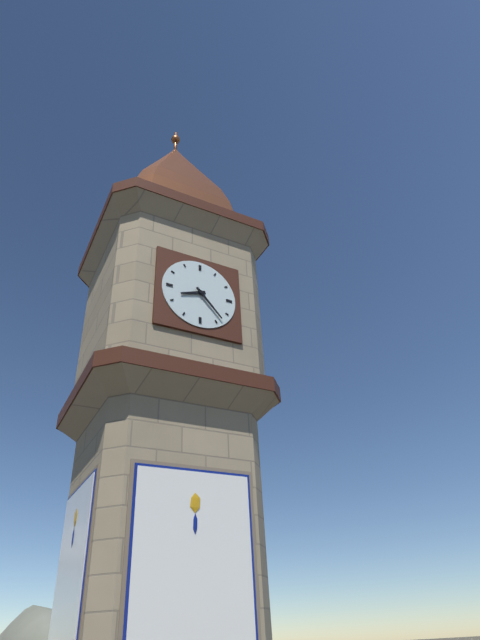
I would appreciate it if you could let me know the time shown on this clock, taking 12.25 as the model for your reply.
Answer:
8.23
